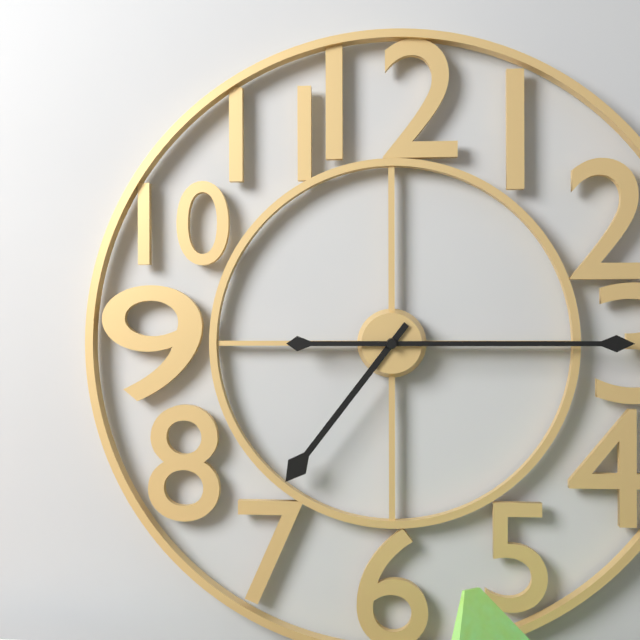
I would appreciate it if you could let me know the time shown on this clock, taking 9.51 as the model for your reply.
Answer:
7.15
